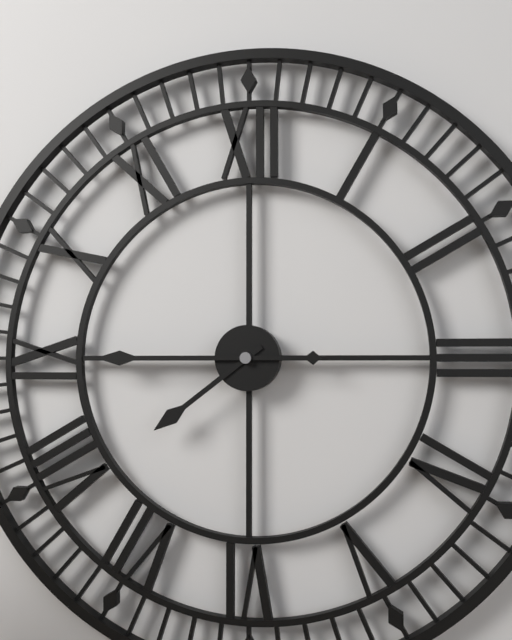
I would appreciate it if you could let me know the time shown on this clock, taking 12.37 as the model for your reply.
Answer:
7.45
